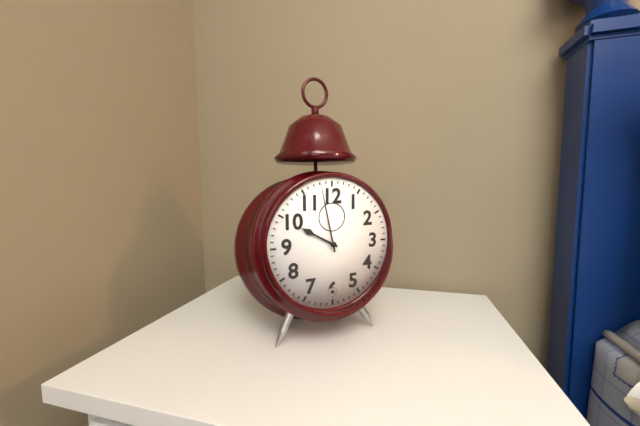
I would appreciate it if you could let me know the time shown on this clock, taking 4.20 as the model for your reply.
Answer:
9.58
